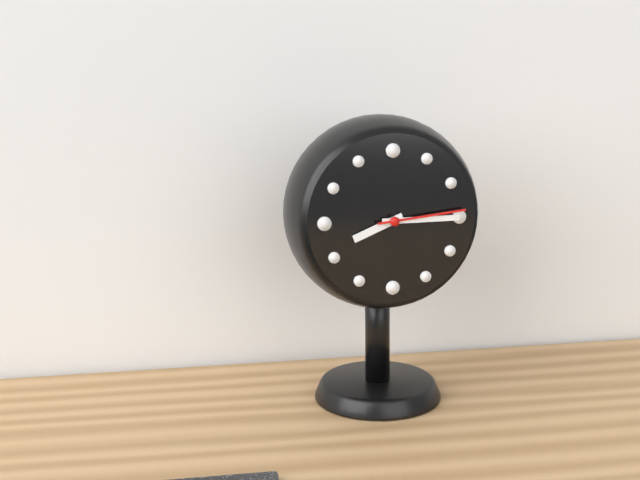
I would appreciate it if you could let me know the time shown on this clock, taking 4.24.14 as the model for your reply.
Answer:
8.15.14
